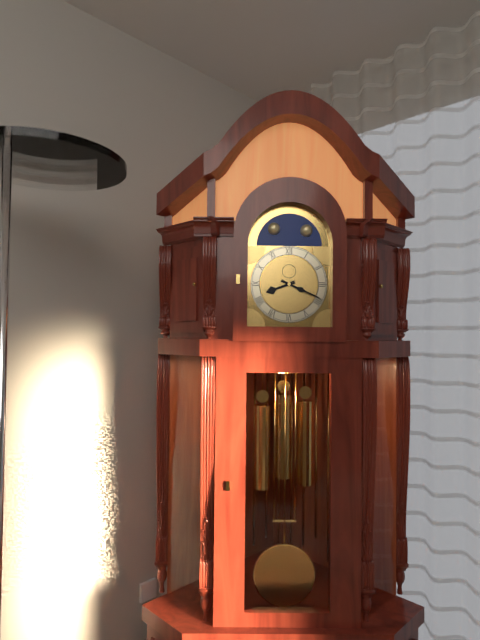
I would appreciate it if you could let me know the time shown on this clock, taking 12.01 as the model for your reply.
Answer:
8.19
